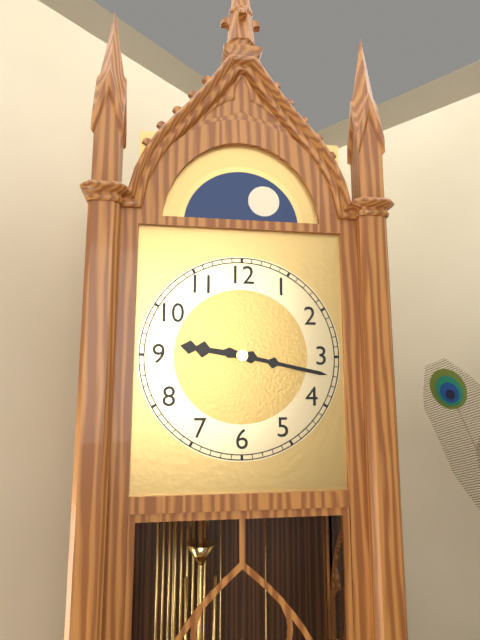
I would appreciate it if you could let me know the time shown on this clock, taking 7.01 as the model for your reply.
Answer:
9.17
